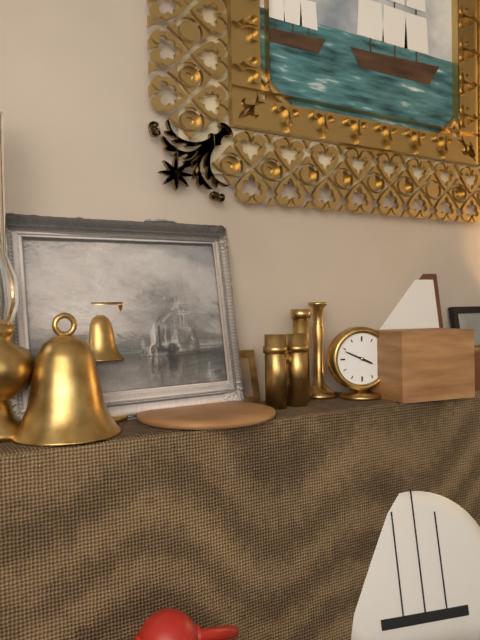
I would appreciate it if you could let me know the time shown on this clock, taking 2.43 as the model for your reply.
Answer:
3.49
